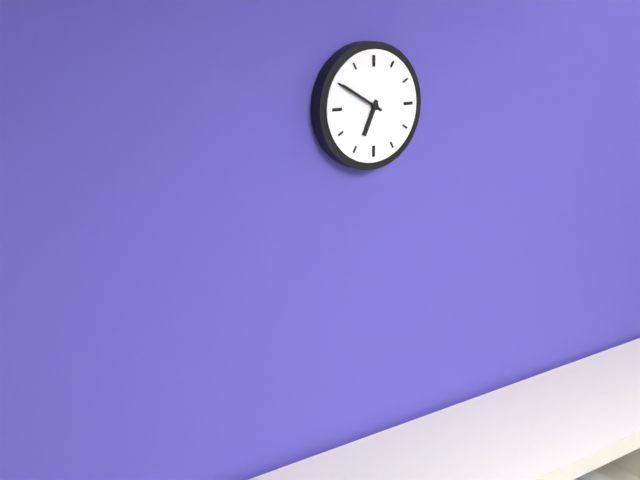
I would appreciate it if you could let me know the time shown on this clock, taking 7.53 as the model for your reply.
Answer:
6.50
